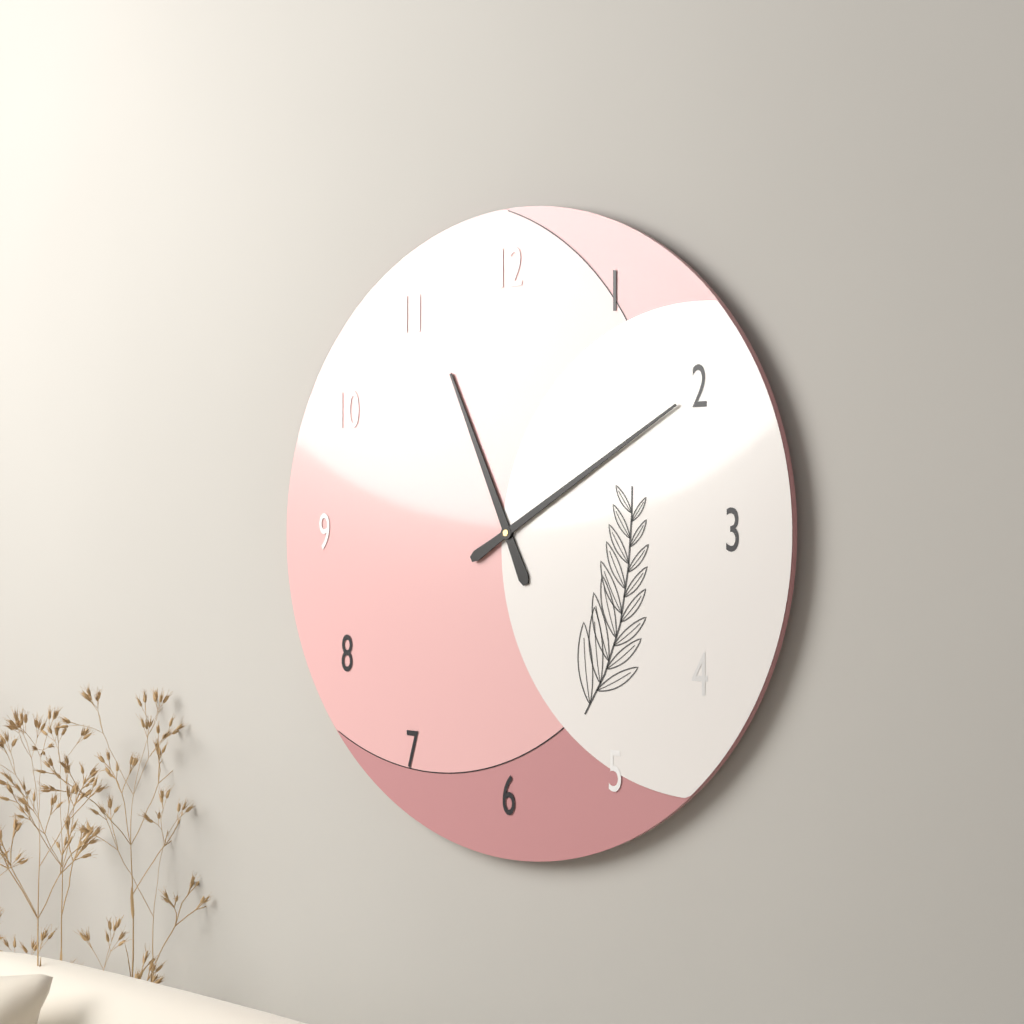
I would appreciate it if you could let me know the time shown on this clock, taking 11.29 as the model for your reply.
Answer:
11.10
